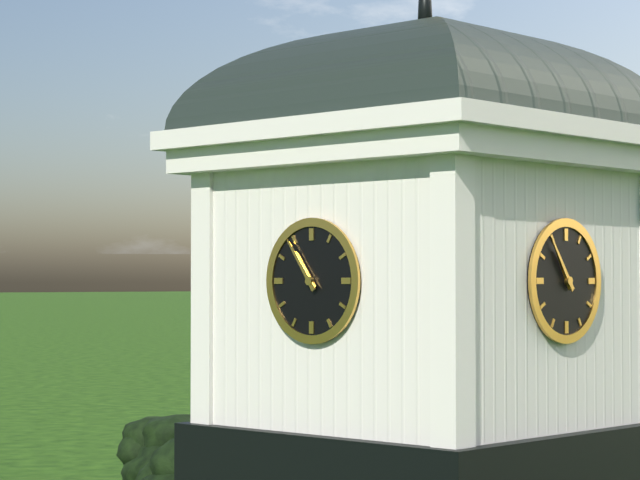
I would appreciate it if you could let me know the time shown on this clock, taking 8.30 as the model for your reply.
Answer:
10.54
